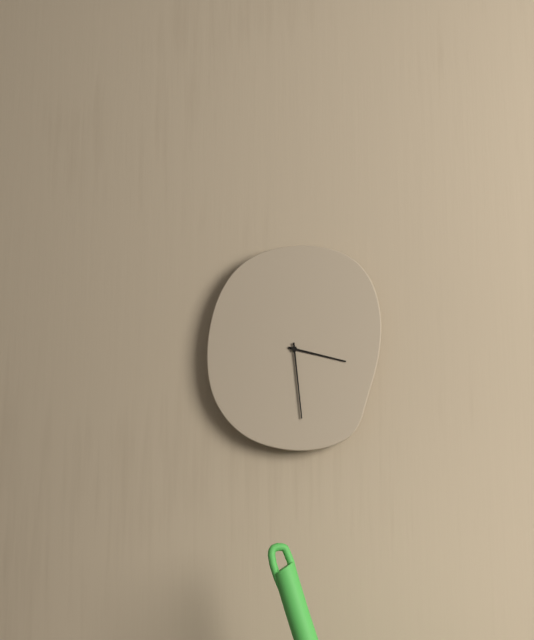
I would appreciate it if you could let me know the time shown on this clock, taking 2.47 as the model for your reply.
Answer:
3.29
